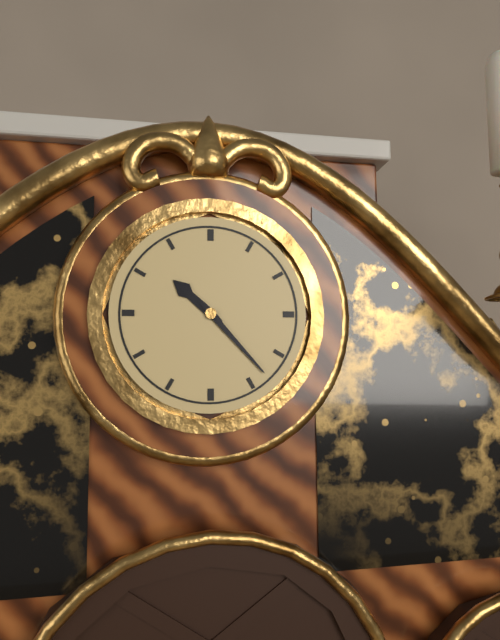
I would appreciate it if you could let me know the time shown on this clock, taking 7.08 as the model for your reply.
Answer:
10.23
